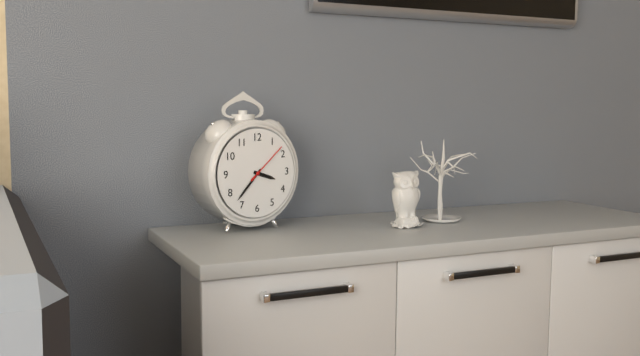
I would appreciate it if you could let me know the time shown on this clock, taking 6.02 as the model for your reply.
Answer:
3.37
